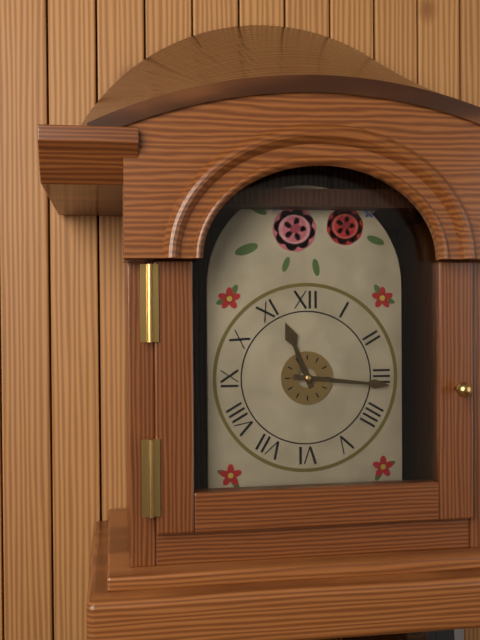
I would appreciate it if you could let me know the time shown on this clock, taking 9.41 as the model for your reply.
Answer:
11.16
